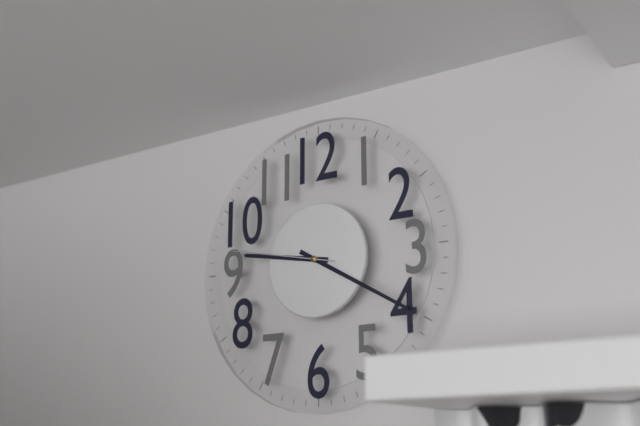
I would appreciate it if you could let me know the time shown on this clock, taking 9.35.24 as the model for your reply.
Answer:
9.20.47
